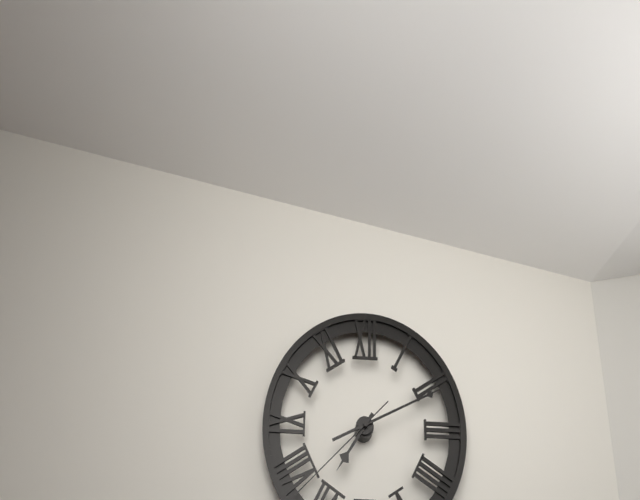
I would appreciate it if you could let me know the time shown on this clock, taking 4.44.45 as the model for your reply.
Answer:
7.11.38
